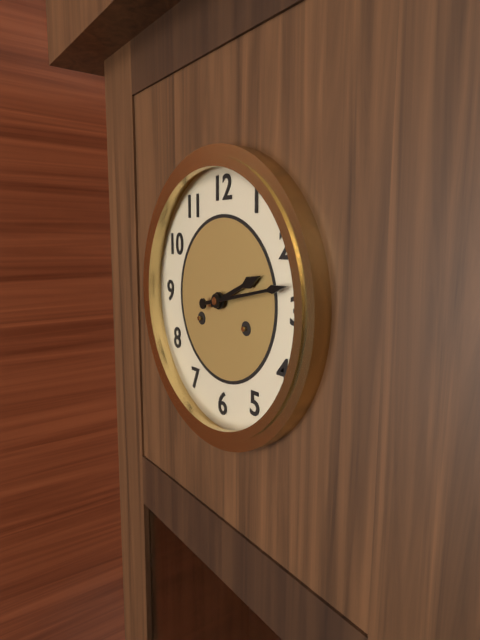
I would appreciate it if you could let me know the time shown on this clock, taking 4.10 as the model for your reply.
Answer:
2.13
